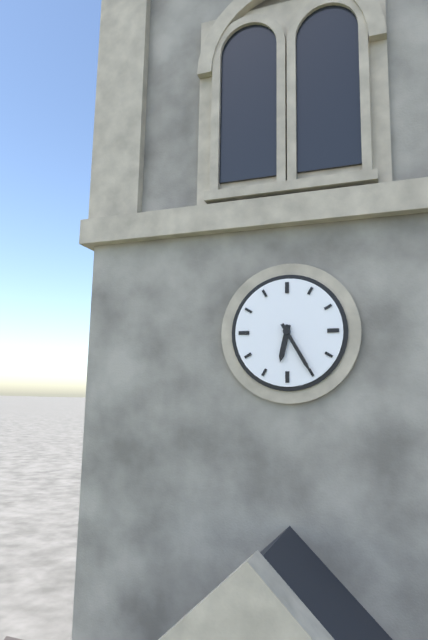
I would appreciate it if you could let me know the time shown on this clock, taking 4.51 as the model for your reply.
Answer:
6.25
